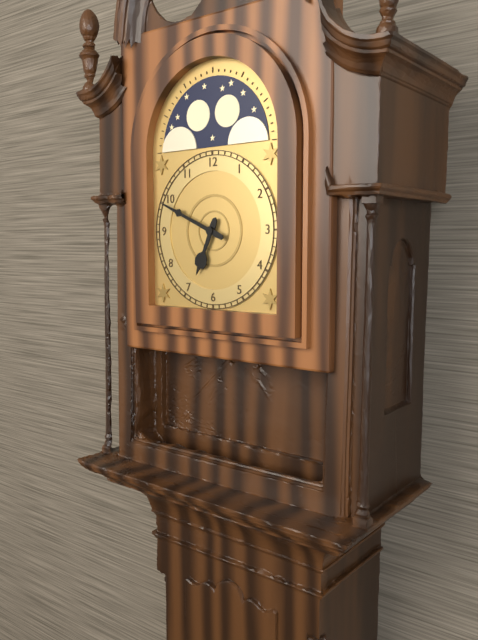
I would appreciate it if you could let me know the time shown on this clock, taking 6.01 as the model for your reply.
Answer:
6.49
